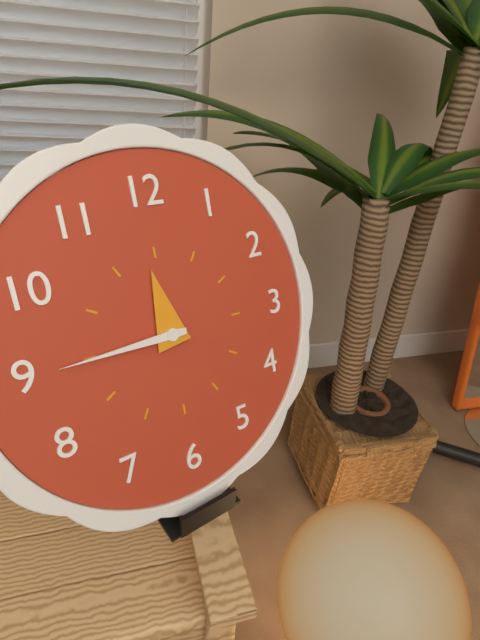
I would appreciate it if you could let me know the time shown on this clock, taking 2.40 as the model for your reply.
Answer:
11.45
